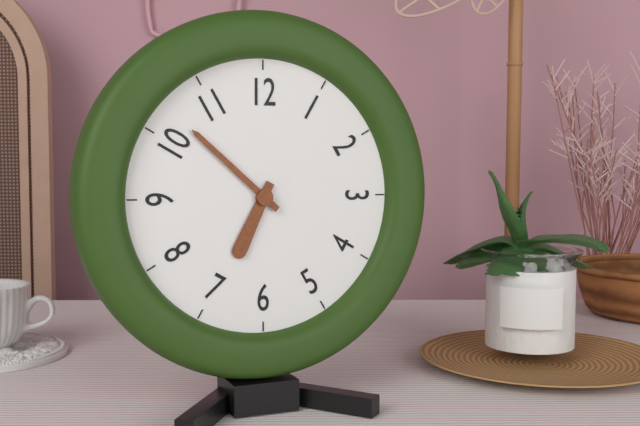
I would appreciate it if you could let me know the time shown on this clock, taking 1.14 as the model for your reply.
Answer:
6.52
